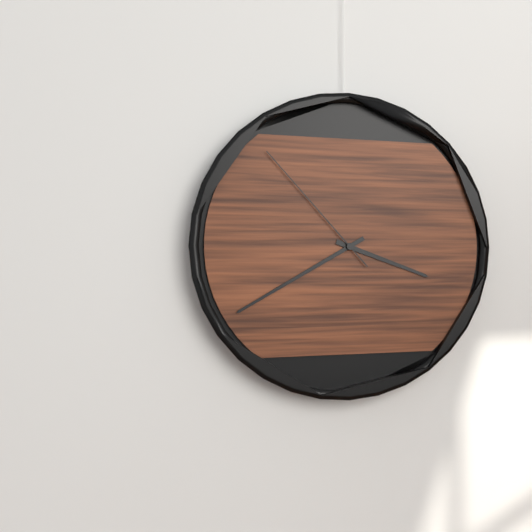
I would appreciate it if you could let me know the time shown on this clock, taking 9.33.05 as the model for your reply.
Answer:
3.40.53
